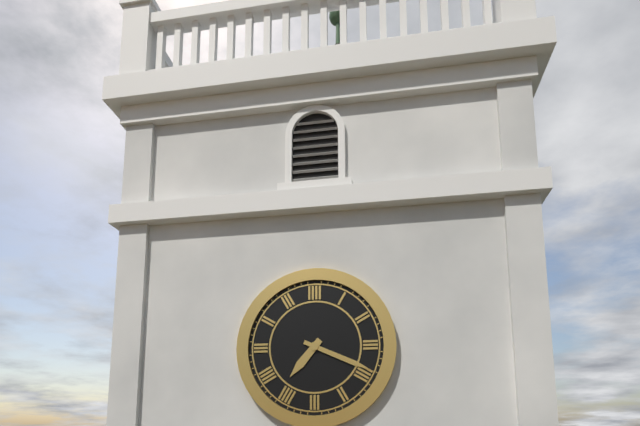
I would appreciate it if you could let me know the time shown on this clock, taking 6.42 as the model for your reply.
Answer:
7.19
